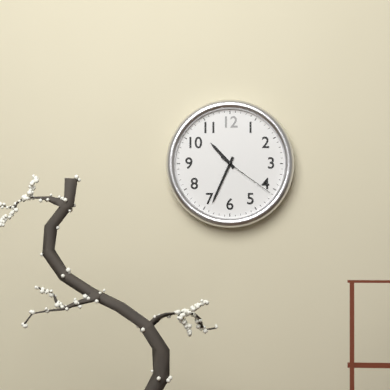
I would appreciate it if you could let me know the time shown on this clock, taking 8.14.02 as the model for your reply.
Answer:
10.34.21
